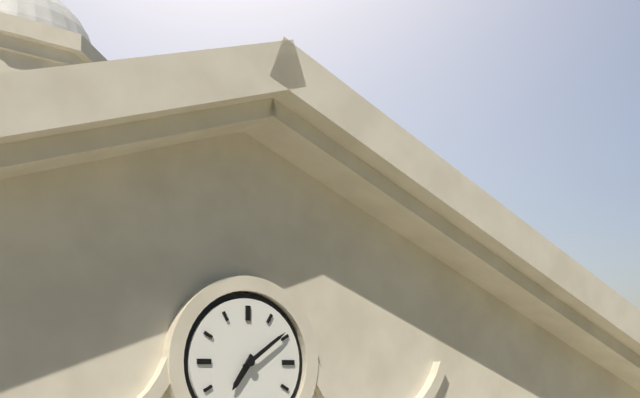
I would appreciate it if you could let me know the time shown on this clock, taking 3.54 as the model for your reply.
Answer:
7.09
